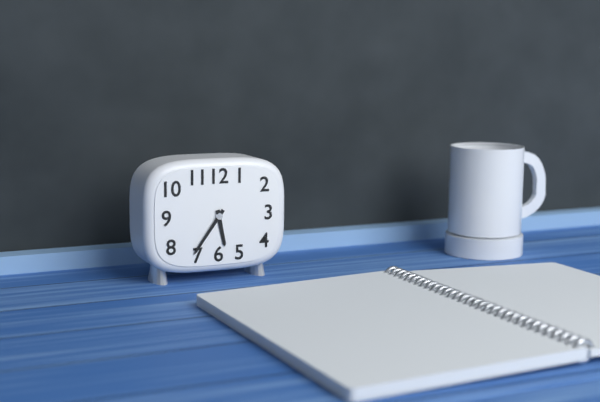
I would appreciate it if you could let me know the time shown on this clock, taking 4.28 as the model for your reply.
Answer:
5.36
